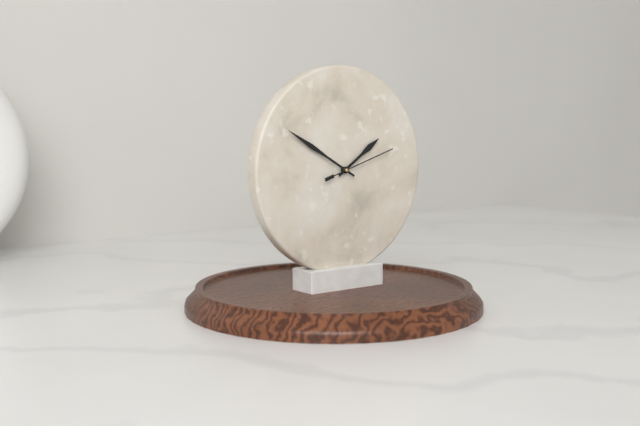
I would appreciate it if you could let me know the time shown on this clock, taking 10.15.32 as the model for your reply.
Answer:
1.50.12
